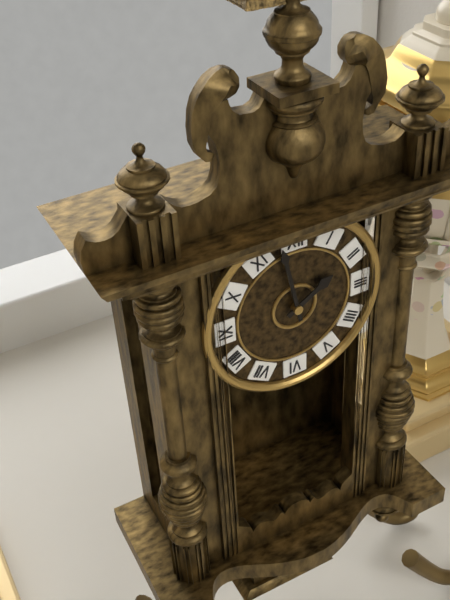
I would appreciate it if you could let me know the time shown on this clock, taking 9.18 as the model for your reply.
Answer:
1.58
